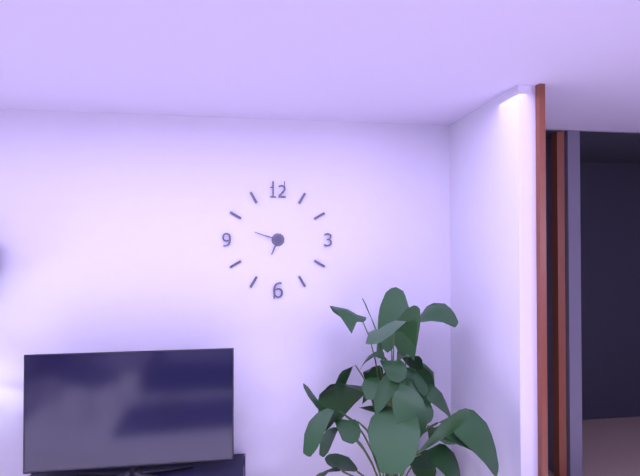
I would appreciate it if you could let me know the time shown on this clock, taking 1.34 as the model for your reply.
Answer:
6.48
